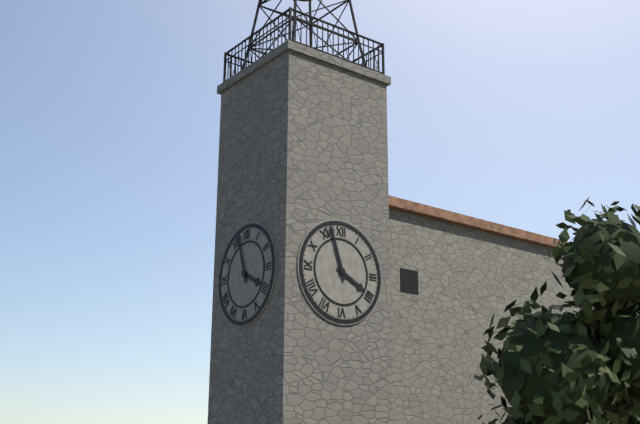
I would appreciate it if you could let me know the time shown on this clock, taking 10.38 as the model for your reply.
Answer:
3.57
